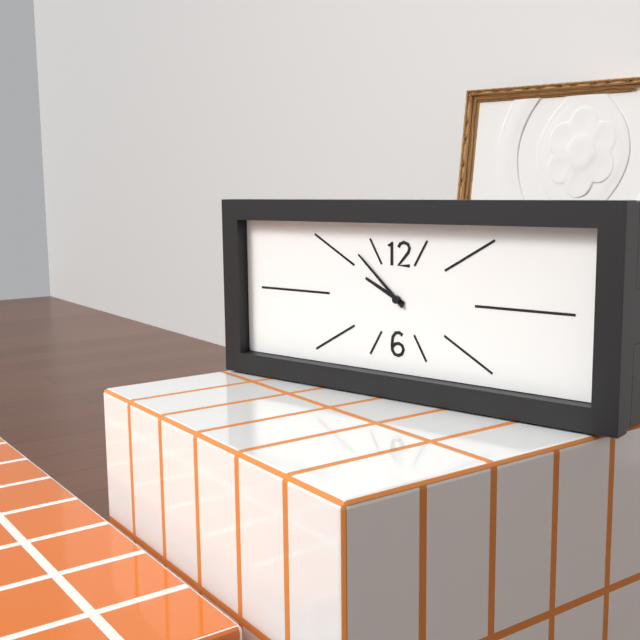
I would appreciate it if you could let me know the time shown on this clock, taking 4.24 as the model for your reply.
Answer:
9.52
